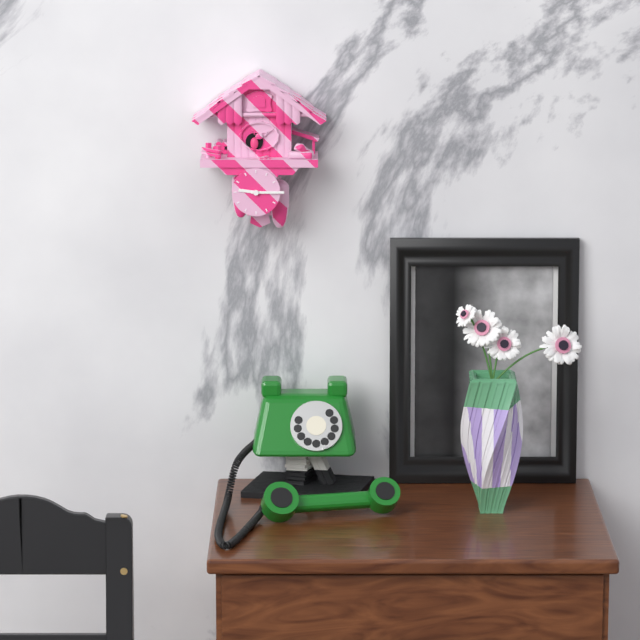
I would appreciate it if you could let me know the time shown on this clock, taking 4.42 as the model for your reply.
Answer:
9.15
